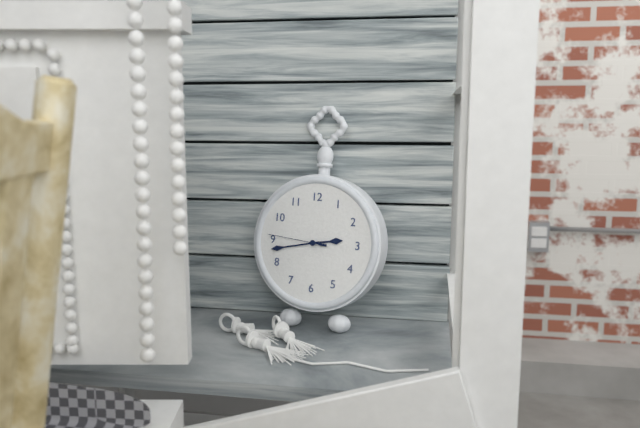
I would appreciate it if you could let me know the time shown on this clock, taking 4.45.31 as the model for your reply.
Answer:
2.43.46
